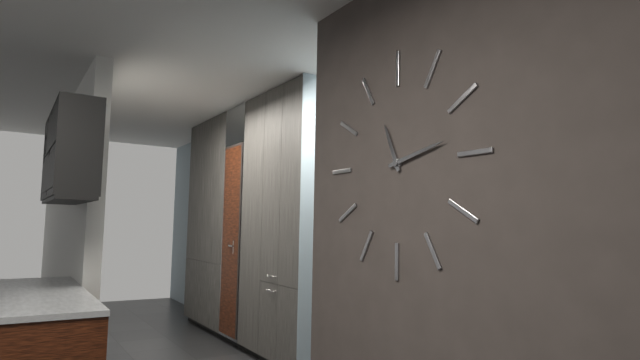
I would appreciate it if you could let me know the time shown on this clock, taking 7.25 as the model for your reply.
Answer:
11.13
